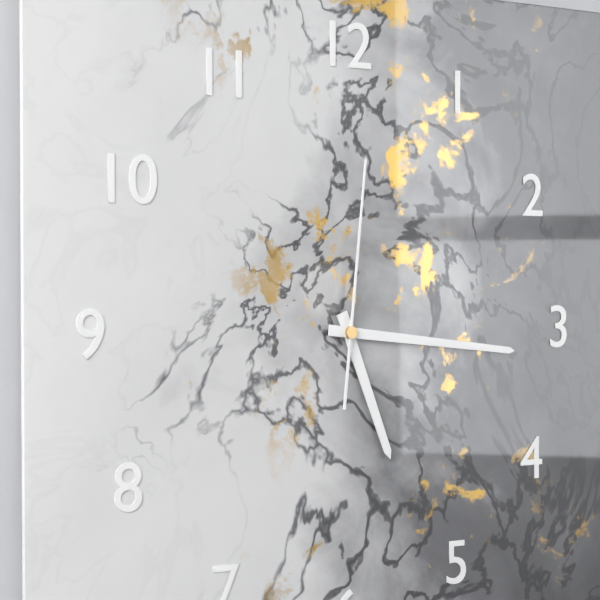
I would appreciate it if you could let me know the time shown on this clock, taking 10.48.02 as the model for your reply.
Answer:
5.16.01
